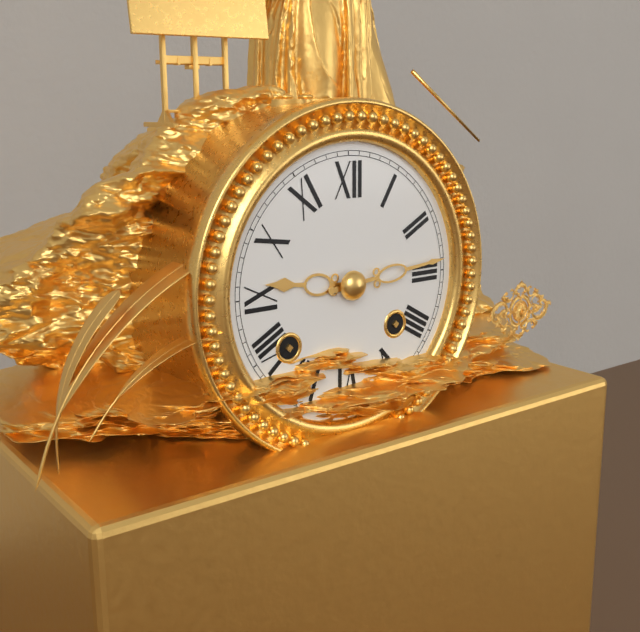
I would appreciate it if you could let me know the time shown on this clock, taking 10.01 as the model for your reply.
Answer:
9.14
